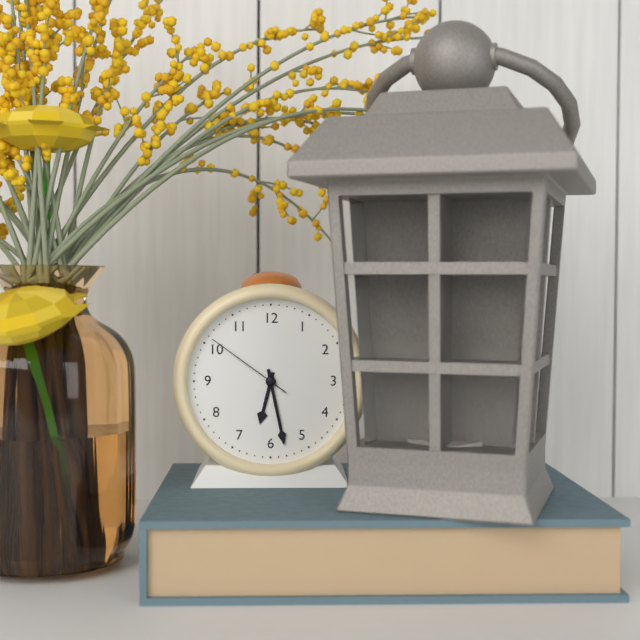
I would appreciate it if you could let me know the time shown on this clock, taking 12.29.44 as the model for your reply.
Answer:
6.28.51
